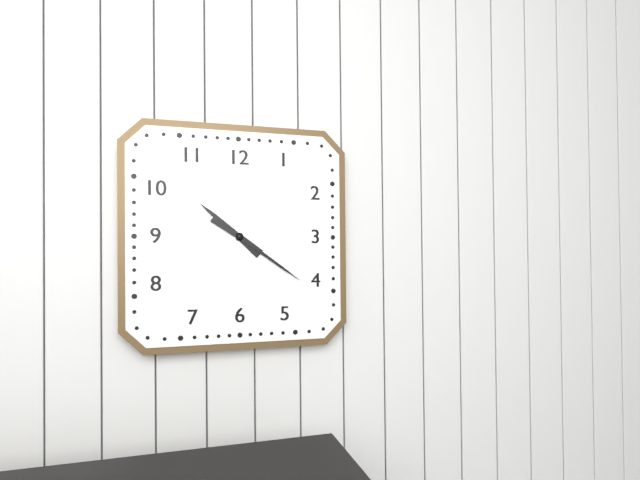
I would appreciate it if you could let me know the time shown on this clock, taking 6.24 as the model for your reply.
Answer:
10.21
